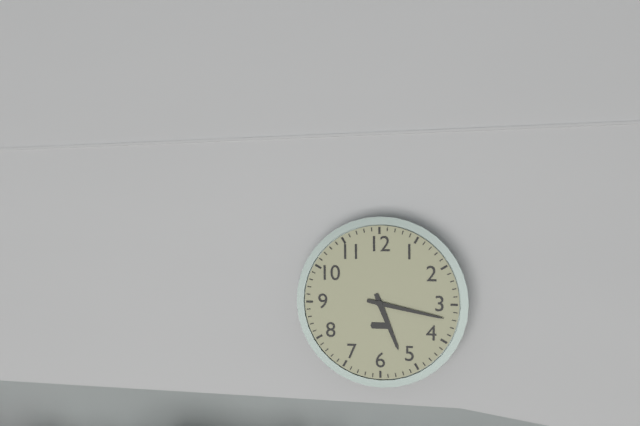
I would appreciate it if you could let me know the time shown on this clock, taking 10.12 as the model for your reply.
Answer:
5.17
